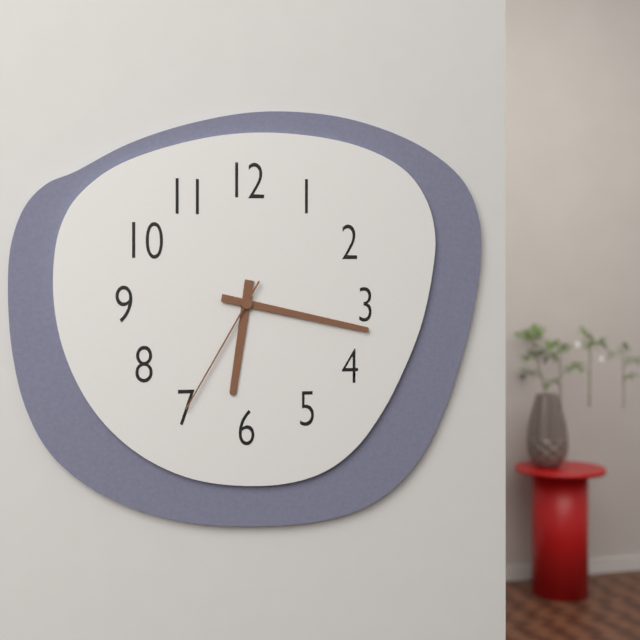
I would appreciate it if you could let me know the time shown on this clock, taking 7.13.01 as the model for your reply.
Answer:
6.17.35
